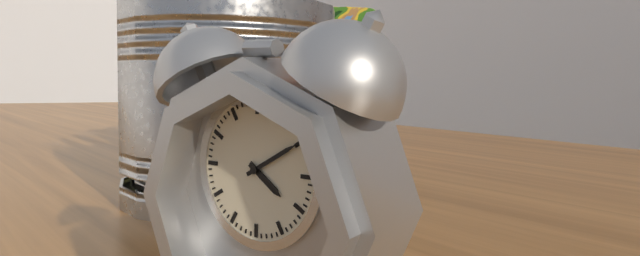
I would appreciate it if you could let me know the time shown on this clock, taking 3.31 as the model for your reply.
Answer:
4.10
